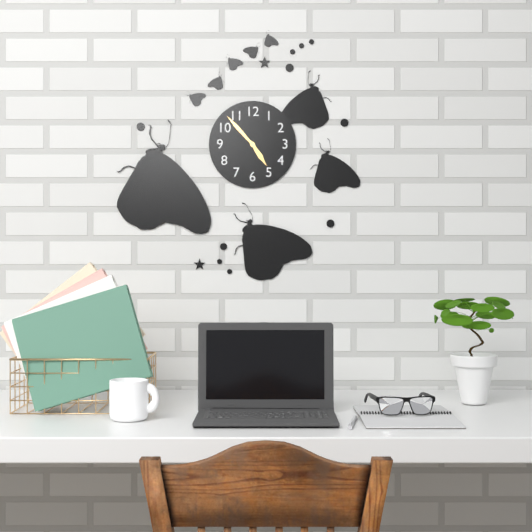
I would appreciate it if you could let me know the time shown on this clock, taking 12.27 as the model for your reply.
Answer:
4.53
